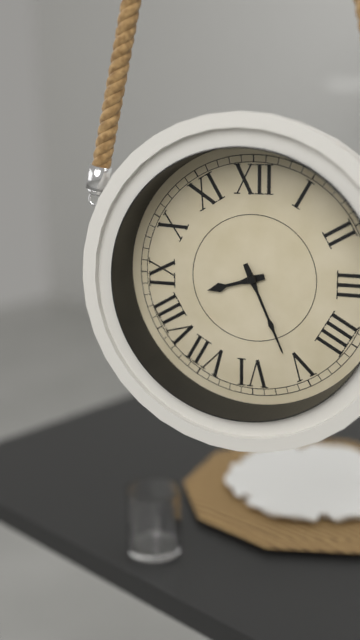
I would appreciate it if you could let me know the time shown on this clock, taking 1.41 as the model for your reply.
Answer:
8.26
